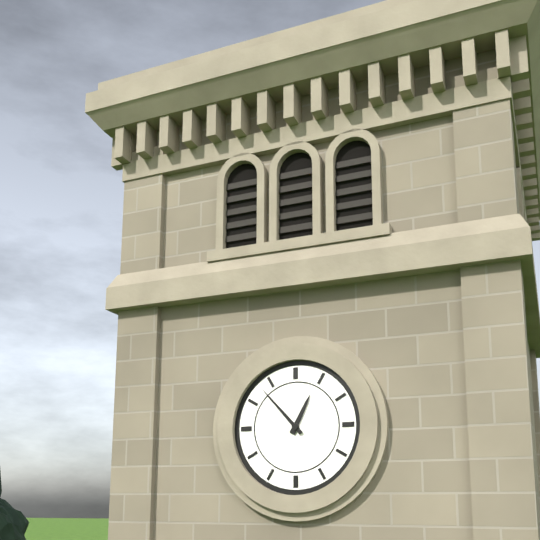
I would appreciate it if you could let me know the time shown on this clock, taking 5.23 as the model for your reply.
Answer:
12.53
